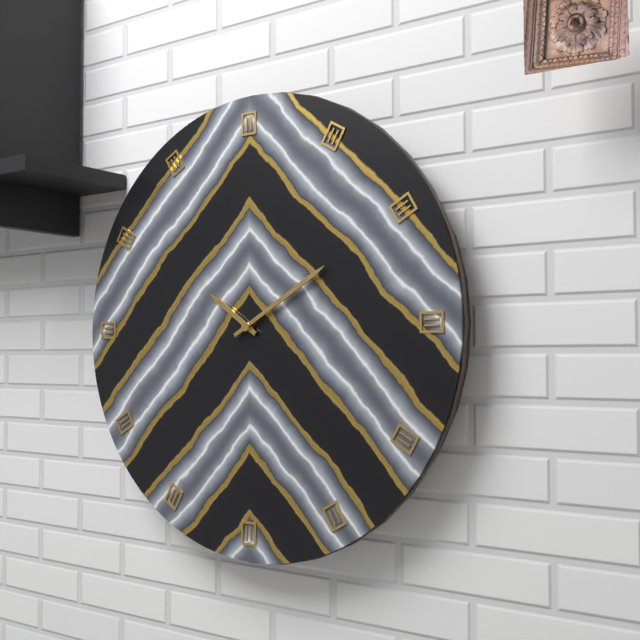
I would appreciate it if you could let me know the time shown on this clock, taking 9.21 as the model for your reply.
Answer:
10.10
